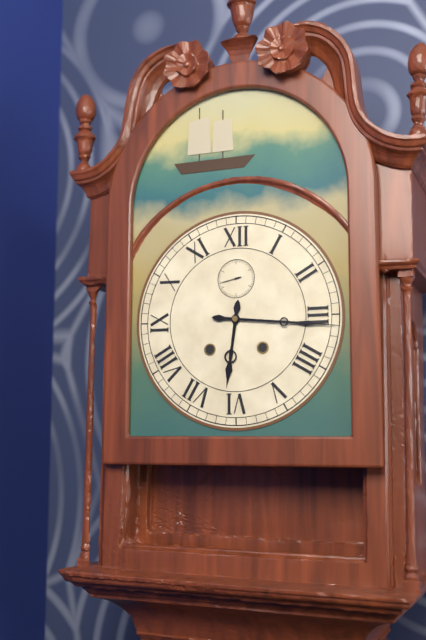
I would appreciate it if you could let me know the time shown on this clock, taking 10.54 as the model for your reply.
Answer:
6.16
